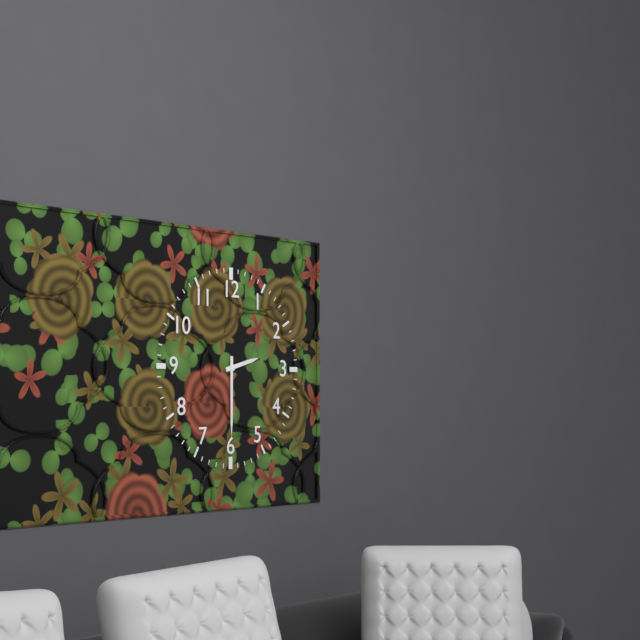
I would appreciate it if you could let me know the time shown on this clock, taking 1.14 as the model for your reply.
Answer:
2.30
